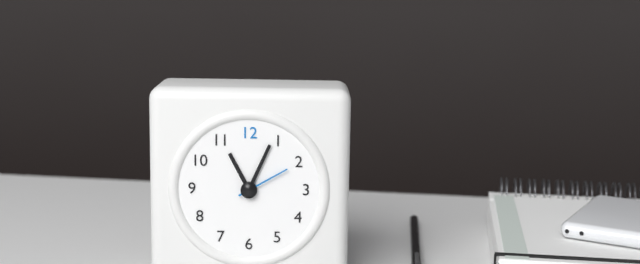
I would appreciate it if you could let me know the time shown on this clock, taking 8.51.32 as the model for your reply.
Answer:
11.04.10
